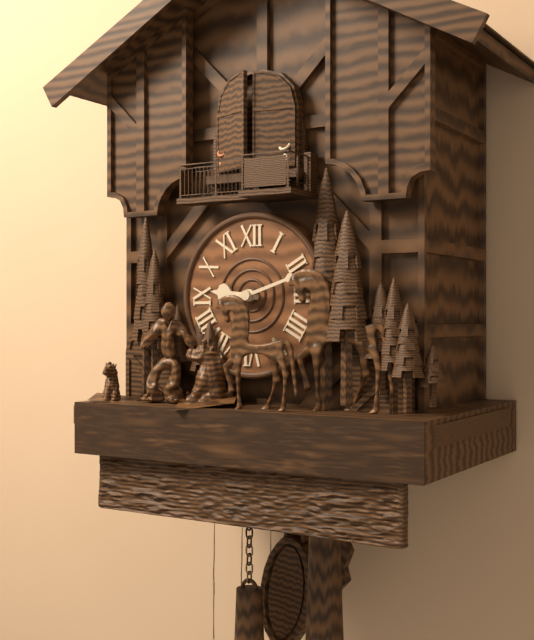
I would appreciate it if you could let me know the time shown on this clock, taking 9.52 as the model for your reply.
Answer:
9.12
